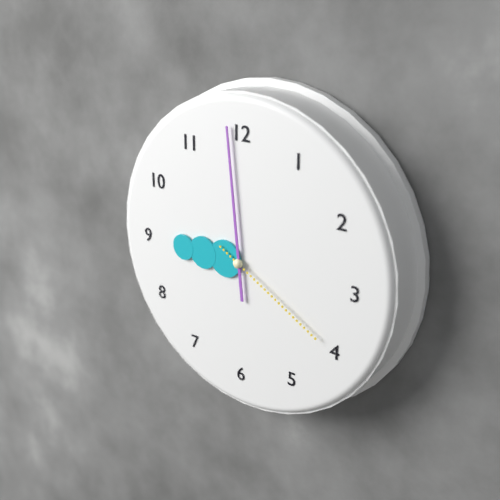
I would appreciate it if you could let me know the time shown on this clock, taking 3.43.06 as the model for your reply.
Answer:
8.59.20
